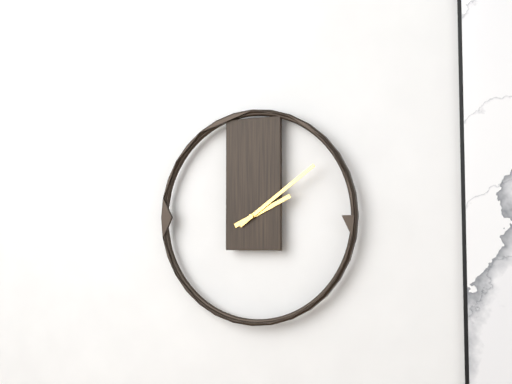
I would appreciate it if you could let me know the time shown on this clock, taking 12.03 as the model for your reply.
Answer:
2.09
